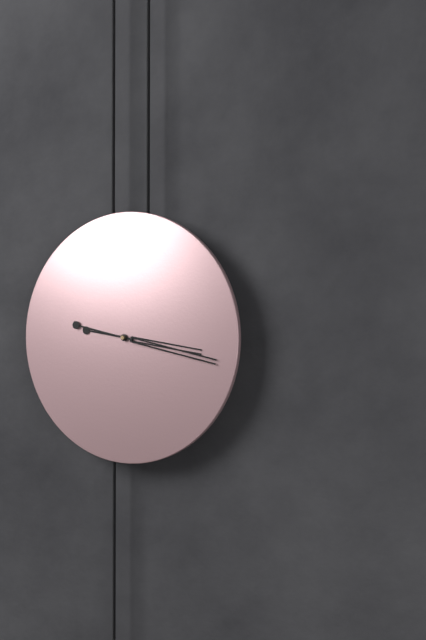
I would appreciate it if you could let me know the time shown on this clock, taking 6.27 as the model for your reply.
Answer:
3.17
